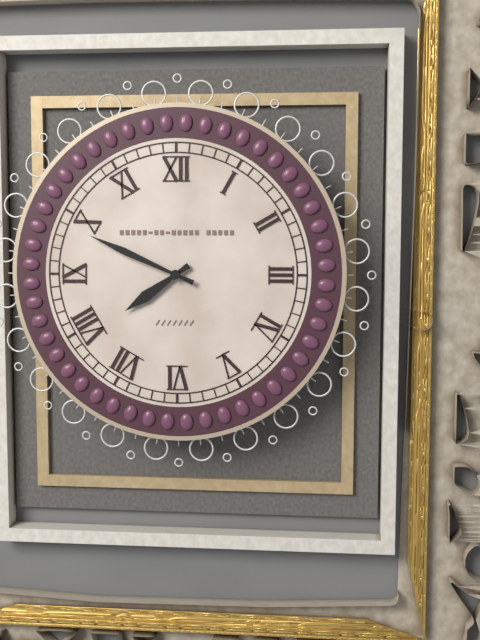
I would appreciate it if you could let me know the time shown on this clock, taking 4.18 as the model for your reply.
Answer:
7.49
